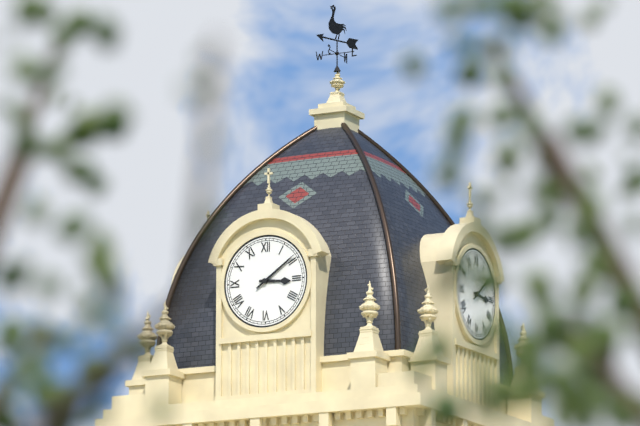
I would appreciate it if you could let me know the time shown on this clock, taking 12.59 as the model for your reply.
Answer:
3.09
